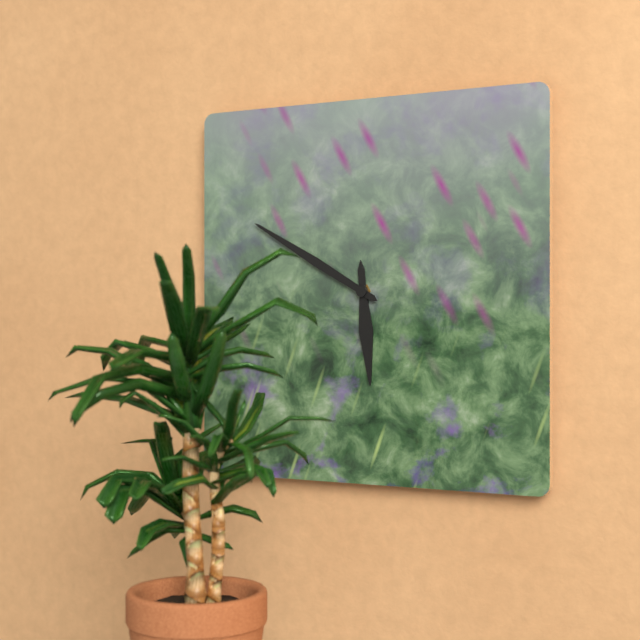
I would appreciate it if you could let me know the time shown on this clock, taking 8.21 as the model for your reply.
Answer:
5.50
